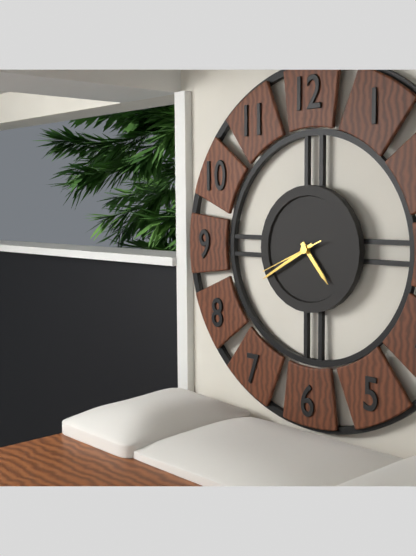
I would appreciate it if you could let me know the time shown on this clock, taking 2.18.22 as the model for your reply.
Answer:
4.40.41
